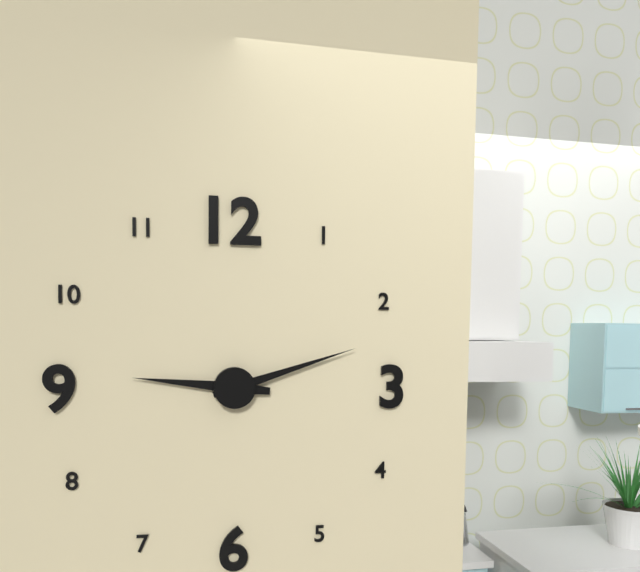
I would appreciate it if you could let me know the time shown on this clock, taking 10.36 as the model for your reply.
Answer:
9.12
